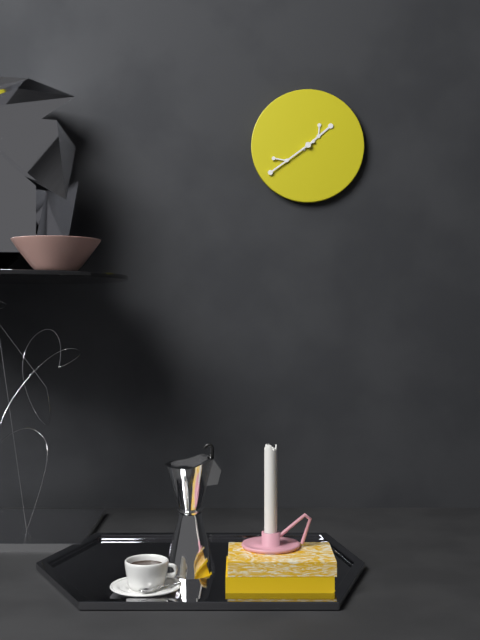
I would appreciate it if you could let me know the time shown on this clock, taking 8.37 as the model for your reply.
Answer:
1.39
